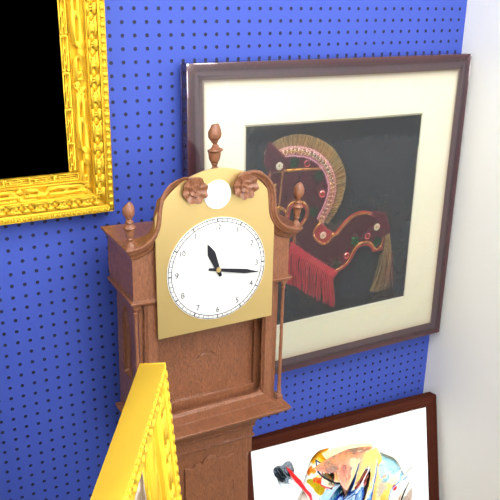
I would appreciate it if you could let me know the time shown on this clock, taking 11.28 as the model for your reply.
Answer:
11.17
